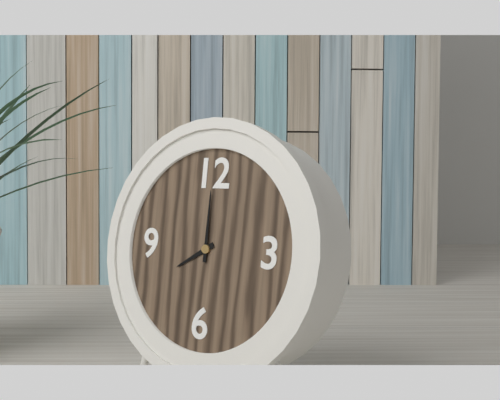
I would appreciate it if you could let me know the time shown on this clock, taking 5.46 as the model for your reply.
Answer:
8.00
